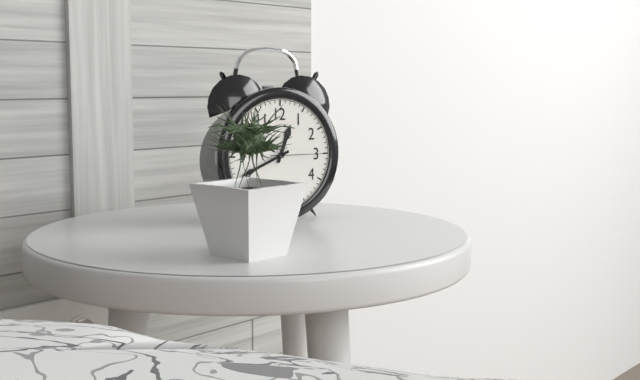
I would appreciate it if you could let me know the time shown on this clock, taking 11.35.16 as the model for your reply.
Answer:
12.41.15
